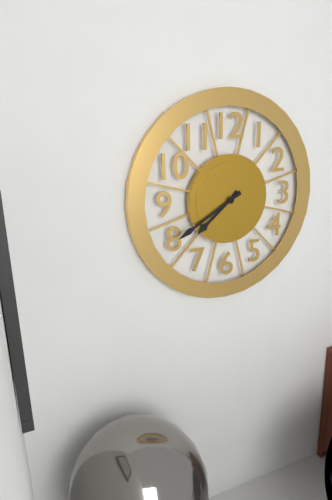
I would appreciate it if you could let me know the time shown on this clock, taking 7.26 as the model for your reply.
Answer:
7.40
